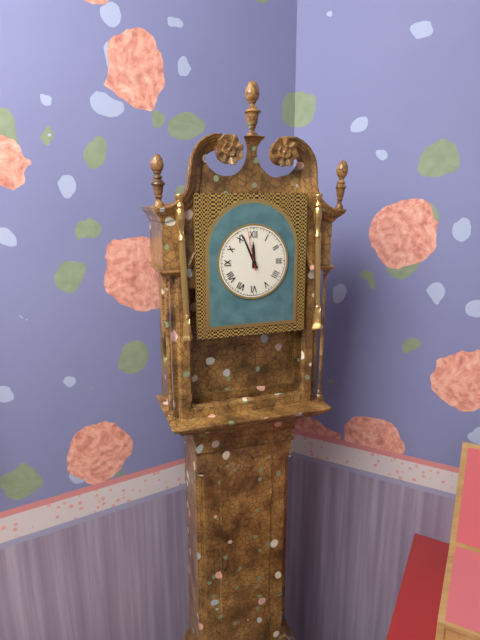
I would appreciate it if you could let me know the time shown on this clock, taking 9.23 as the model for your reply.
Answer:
11.56
